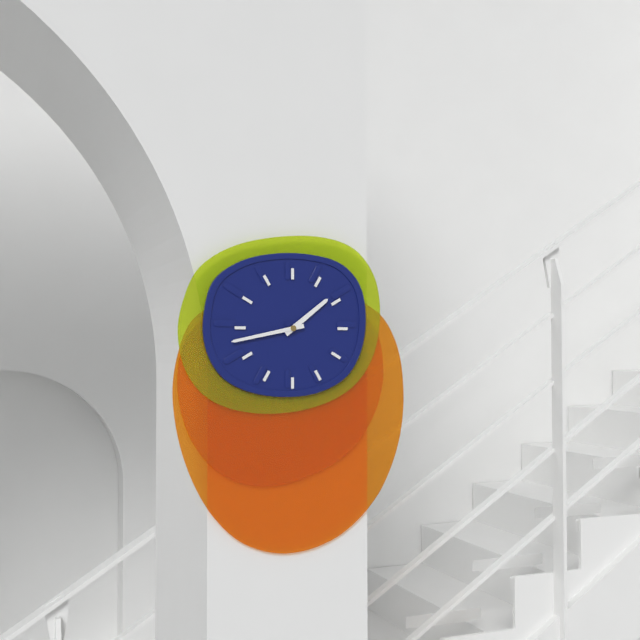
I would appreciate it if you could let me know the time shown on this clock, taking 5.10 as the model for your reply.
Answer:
1.43
